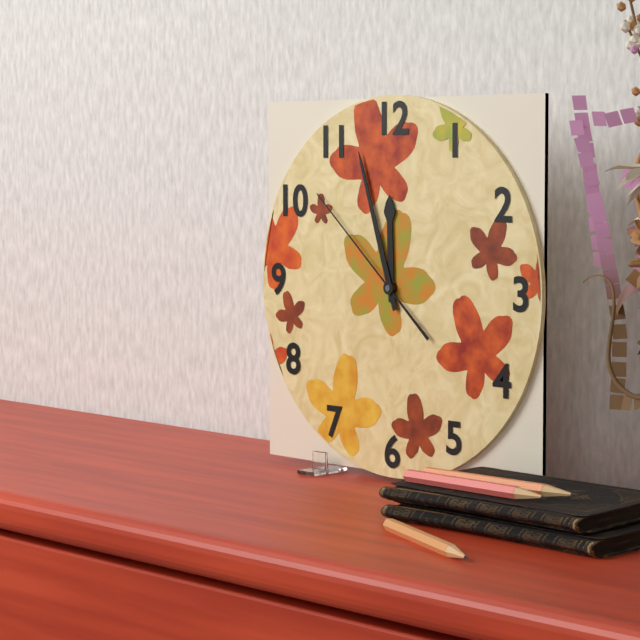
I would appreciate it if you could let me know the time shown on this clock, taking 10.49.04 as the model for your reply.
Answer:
11.57.52
